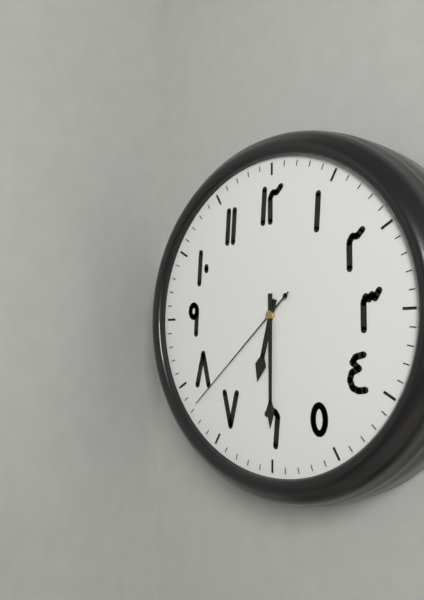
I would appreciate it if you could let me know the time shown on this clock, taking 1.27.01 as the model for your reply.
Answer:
6.30.38
